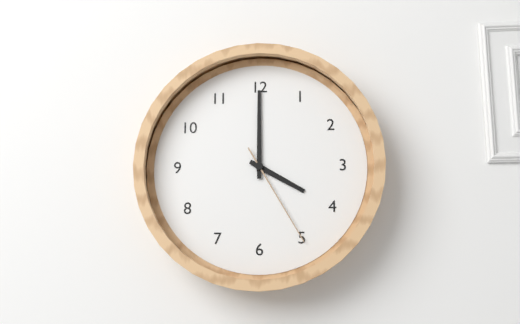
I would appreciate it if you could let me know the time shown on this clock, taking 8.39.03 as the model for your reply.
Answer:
4.00.25
